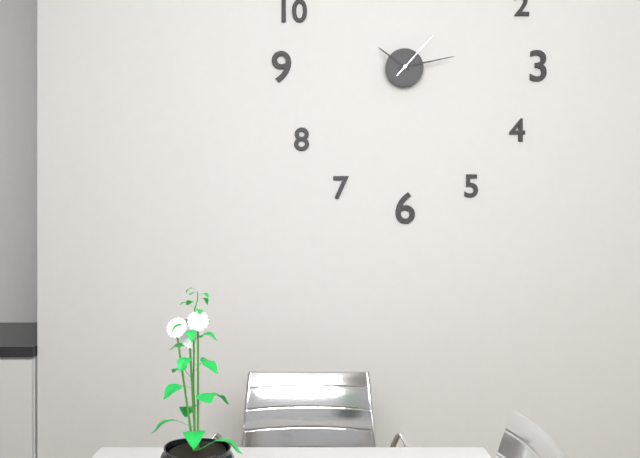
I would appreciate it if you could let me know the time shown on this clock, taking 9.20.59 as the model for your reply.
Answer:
10.13.07
